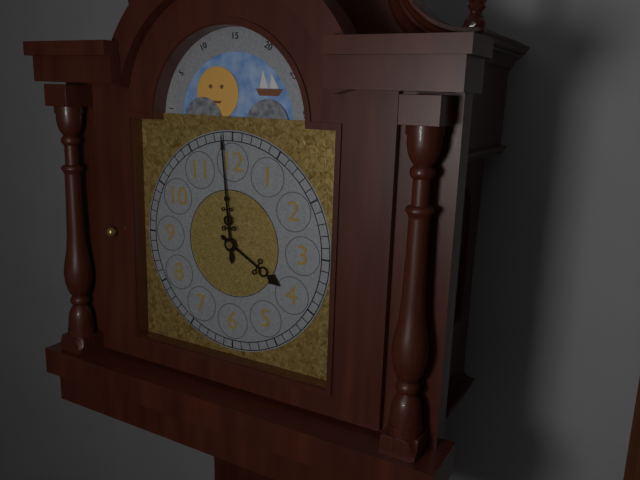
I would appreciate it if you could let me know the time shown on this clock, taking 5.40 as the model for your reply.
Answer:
3.59
